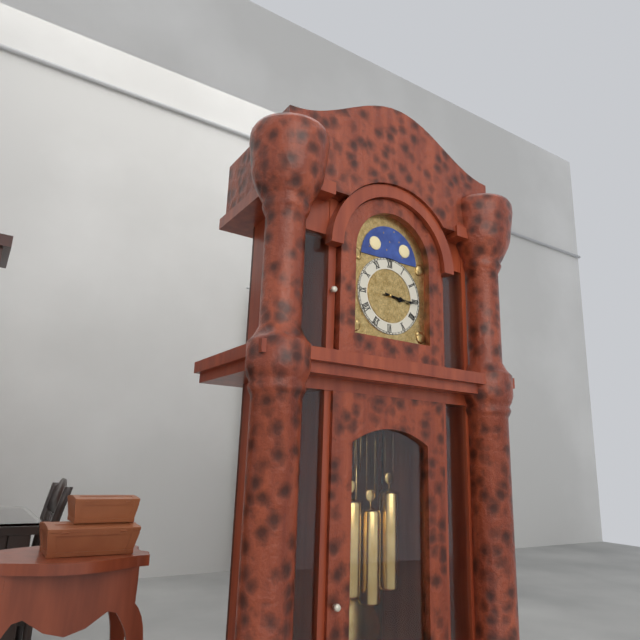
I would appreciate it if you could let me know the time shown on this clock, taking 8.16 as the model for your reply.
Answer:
3.16
